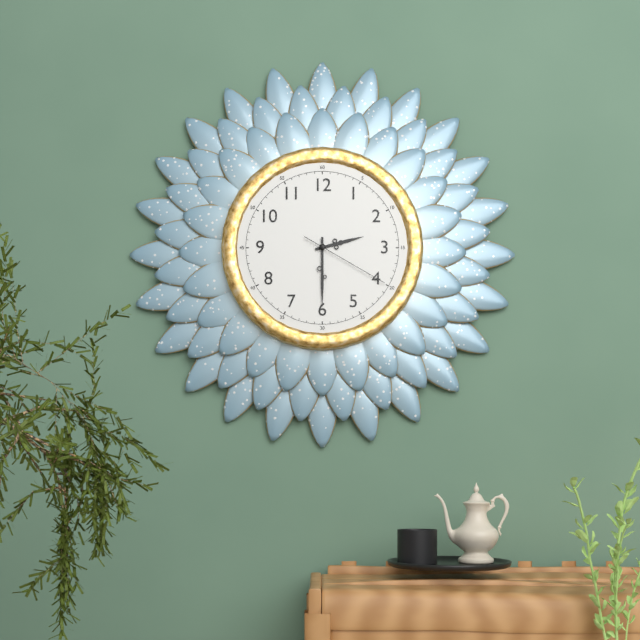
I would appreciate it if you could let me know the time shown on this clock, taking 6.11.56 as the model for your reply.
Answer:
2.30.20
